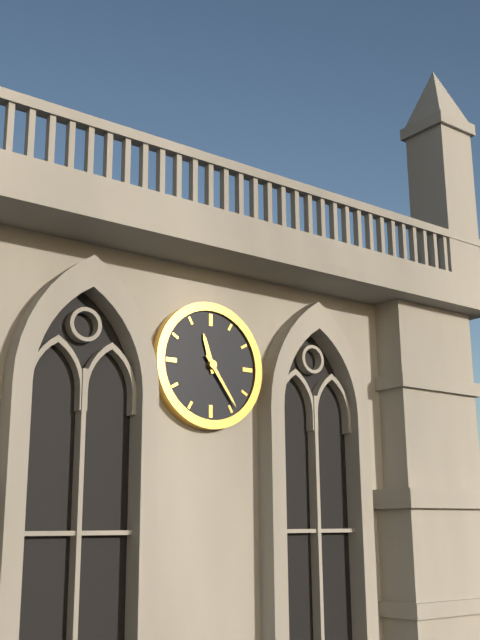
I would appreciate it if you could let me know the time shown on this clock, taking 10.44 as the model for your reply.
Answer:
11.24
